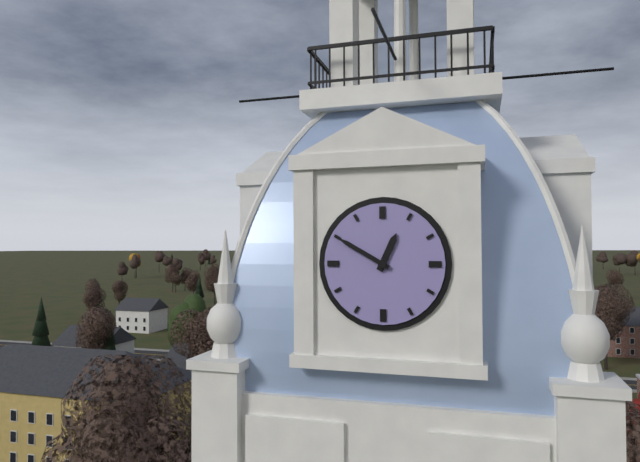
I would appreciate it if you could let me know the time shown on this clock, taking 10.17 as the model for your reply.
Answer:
12.50
